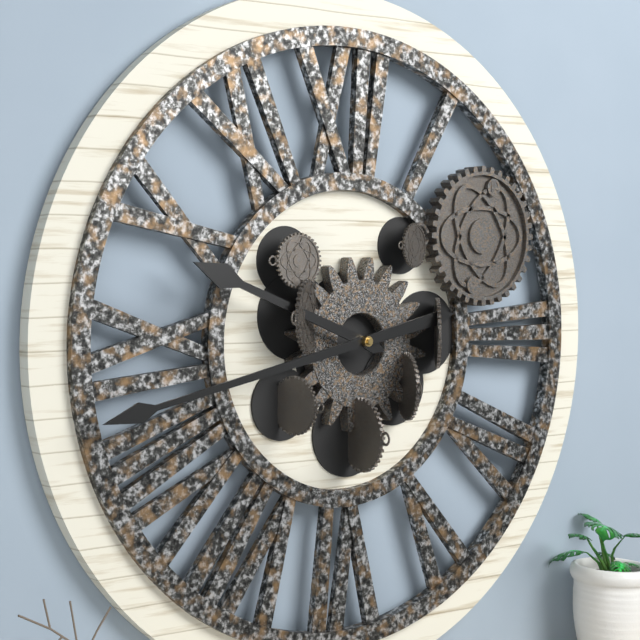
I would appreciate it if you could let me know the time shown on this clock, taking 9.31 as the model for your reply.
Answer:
9.43
